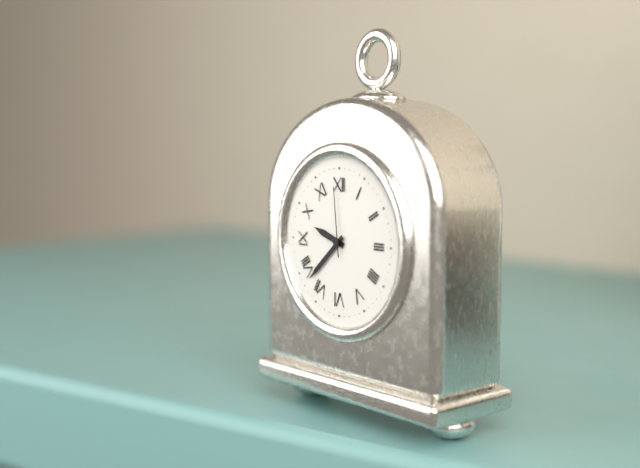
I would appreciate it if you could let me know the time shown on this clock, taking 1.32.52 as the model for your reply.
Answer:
9.38.59
